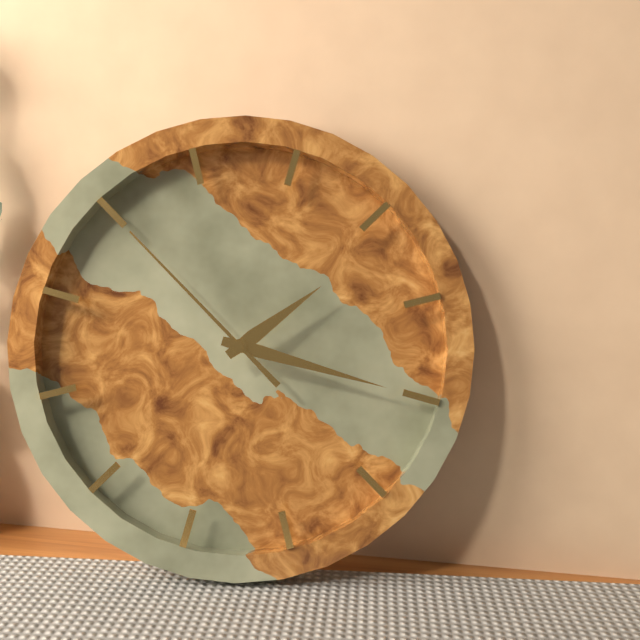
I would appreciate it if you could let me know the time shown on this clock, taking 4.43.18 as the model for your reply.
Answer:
1.15.50
